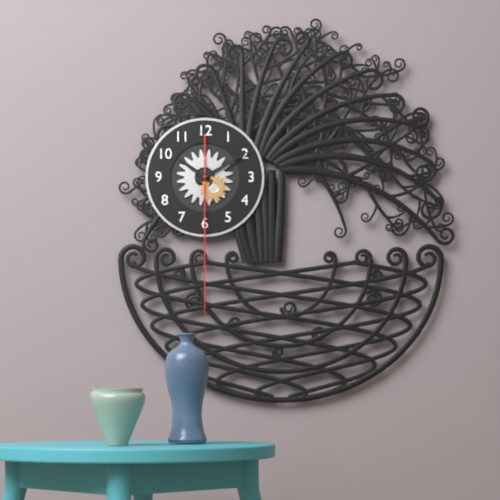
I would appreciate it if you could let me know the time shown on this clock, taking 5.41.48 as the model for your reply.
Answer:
10.10.30
